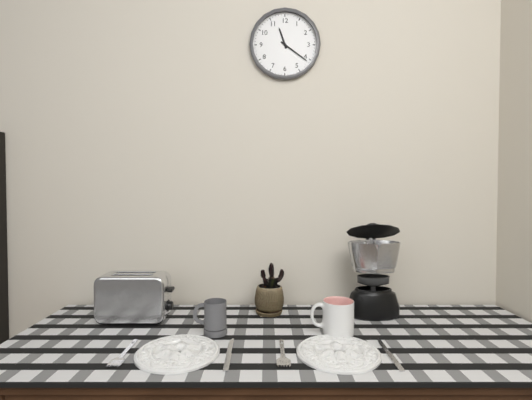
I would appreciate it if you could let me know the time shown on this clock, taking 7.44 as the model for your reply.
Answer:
11.21
